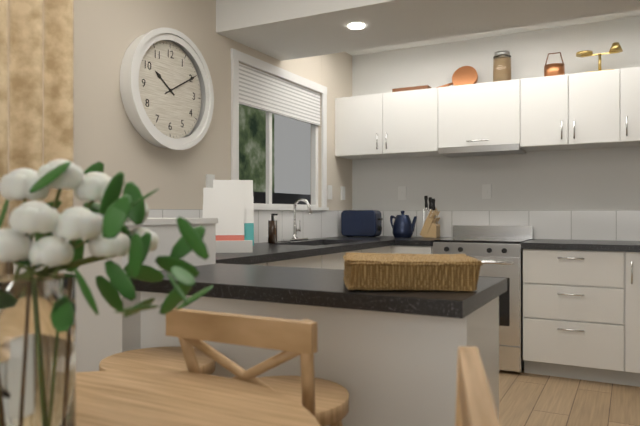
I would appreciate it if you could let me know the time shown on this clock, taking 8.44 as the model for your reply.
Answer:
10.10
